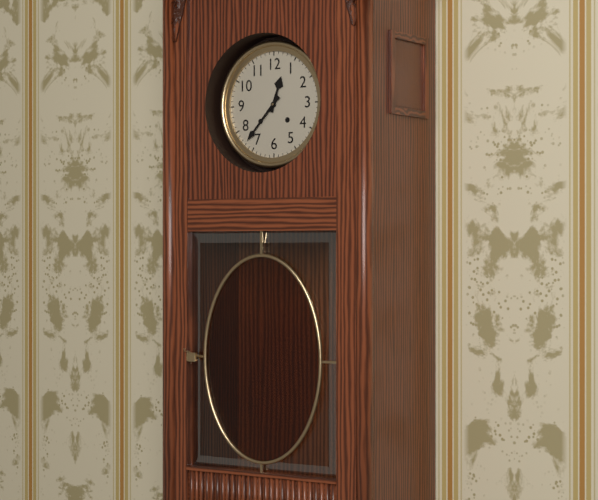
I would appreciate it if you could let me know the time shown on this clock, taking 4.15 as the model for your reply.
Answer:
12.37
